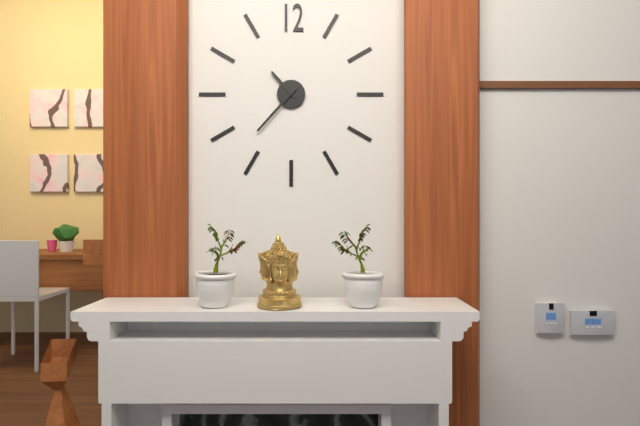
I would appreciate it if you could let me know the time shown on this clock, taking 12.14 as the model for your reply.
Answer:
10.37
